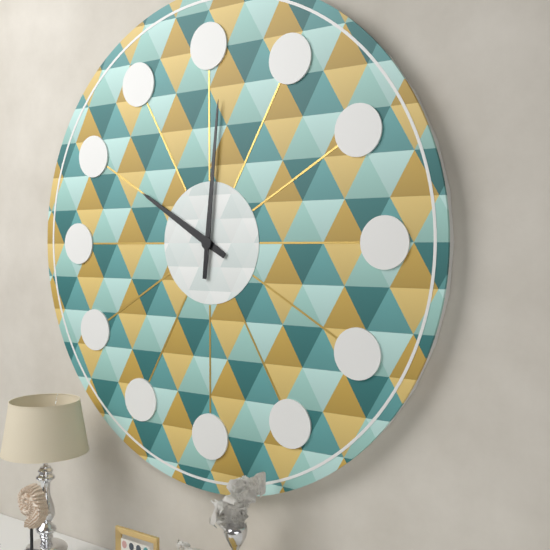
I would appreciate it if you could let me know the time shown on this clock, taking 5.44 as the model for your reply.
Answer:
10.01
